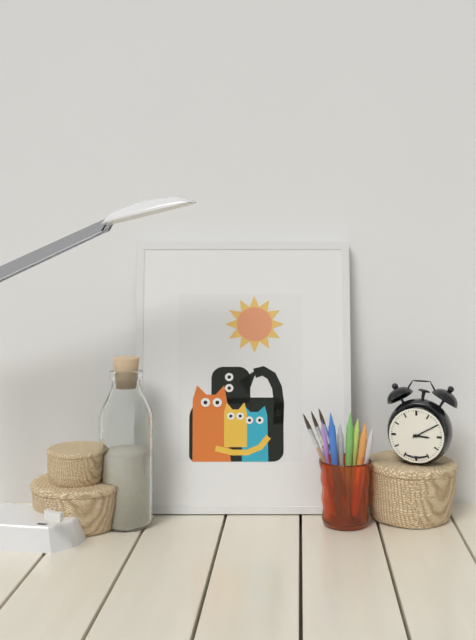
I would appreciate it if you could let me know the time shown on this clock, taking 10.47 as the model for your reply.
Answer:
3.10
